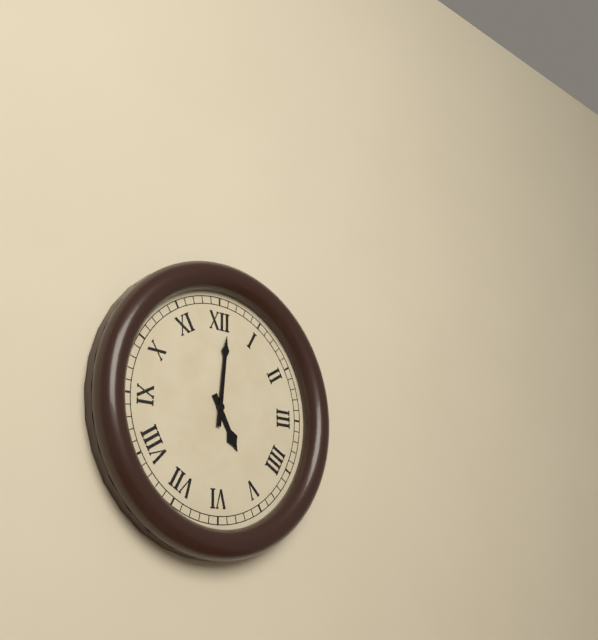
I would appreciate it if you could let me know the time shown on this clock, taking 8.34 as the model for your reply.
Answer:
5.01
